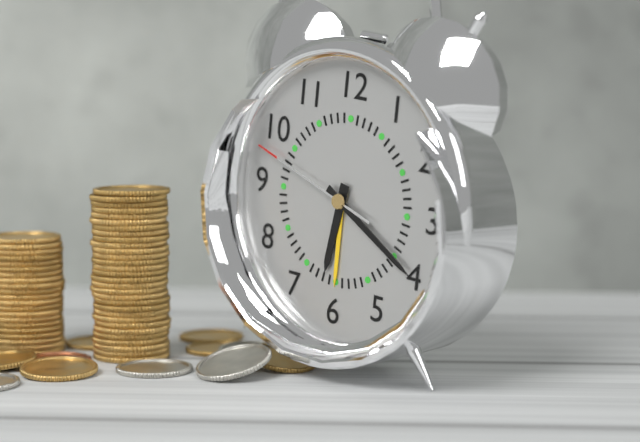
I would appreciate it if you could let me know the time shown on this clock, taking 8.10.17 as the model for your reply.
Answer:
6.20.48
